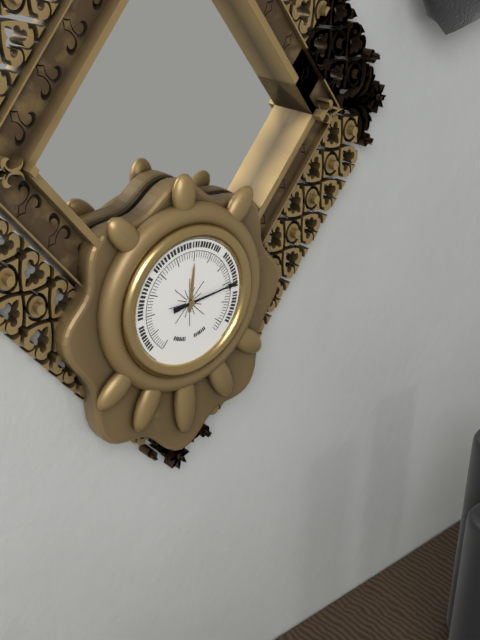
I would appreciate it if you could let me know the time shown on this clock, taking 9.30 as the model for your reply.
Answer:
12.14
